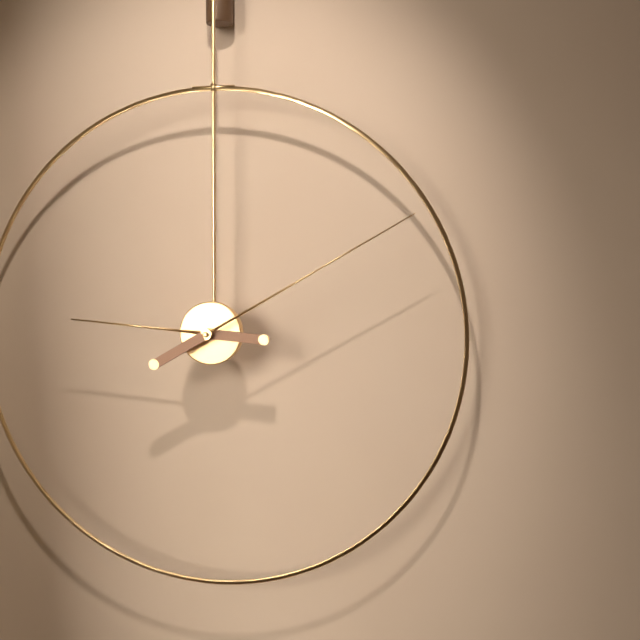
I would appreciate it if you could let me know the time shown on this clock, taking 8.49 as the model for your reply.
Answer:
9.10
